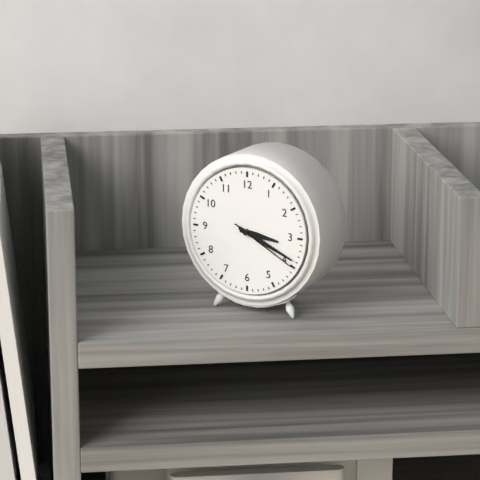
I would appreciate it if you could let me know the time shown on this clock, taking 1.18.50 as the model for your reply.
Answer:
3.19.20
